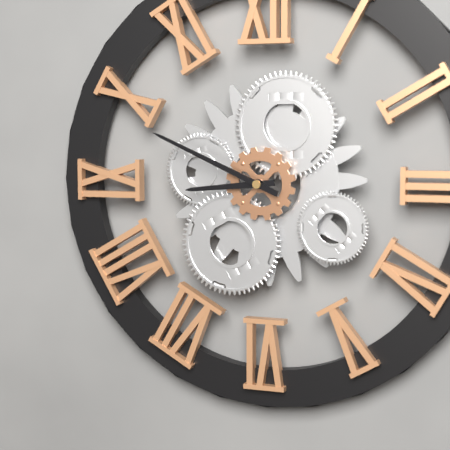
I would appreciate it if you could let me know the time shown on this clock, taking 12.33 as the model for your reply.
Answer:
8.49
